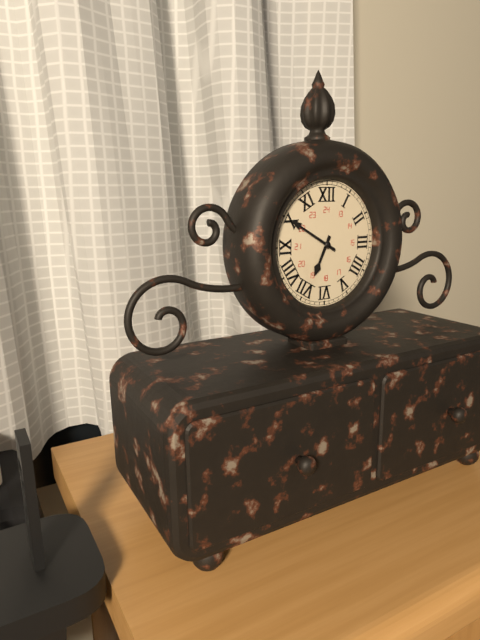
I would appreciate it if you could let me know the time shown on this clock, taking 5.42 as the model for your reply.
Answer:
6.50
